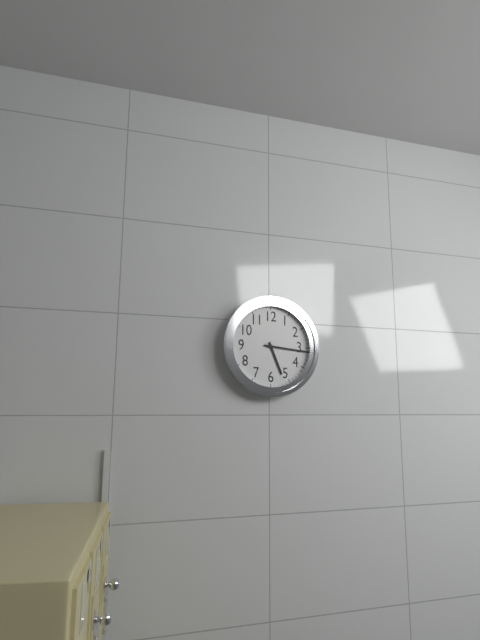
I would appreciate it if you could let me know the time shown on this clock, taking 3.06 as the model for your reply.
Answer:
5.16
